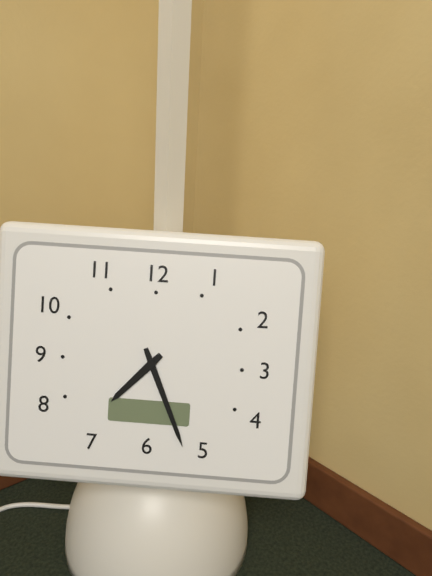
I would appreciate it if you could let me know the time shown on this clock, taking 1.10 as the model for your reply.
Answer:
7.26
